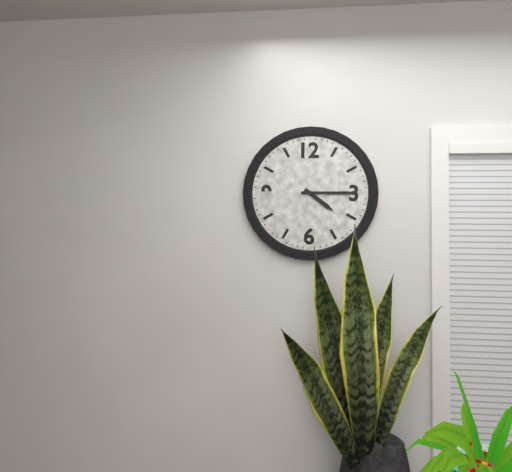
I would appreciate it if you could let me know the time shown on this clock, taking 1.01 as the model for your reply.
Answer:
4.15
